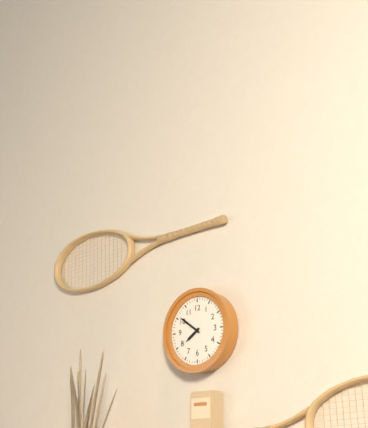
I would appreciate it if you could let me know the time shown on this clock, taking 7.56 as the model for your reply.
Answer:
7.51
